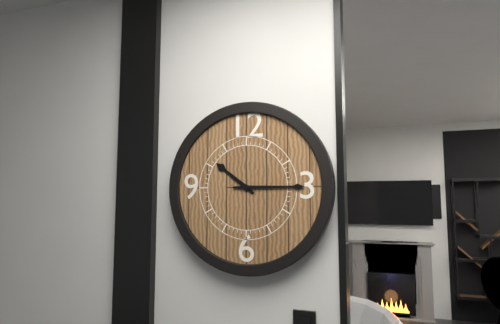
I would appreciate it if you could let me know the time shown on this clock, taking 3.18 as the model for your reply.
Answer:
10.15
